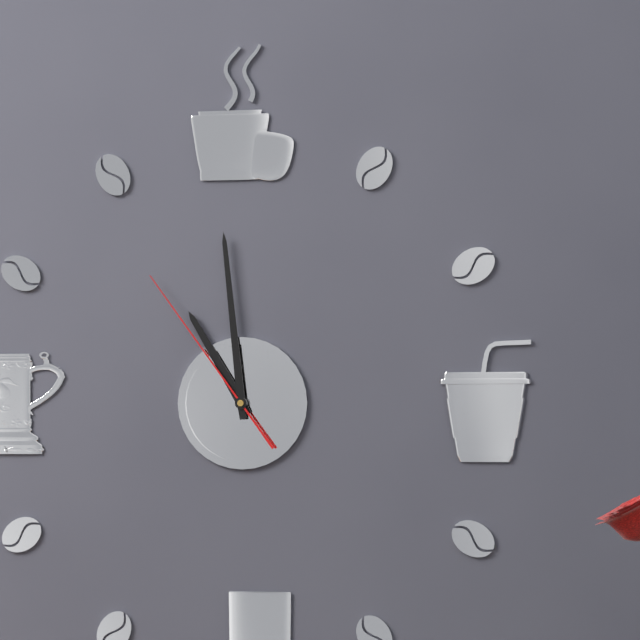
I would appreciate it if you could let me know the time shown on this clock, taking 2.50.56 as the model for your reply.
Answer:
10.59.54
